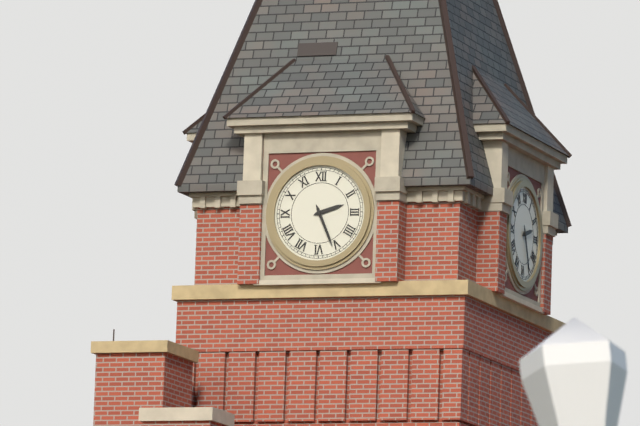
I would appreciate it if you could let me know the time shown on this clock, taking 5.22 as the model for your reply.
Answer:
2.26
